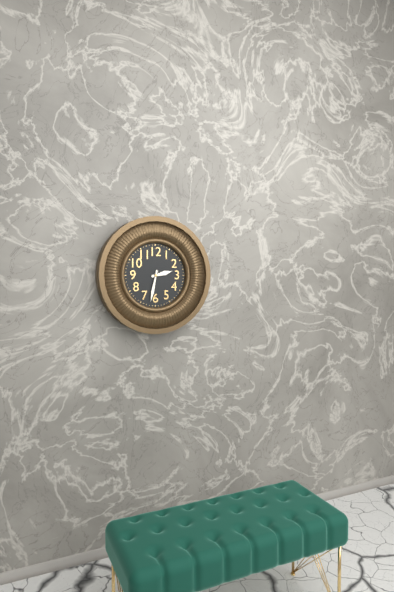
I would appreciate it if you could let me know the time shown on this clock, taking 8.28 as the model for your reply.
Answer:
2.32
